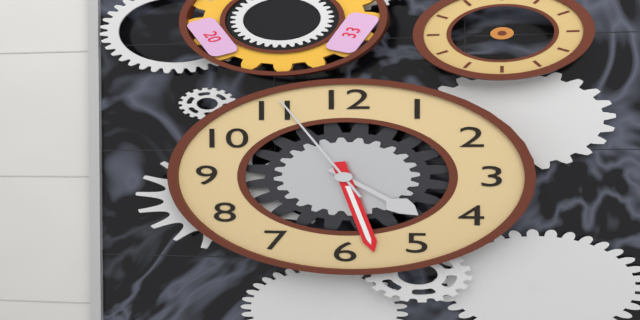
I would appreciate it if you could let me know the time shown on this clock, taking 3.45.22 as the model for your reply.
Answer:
4.28.56
